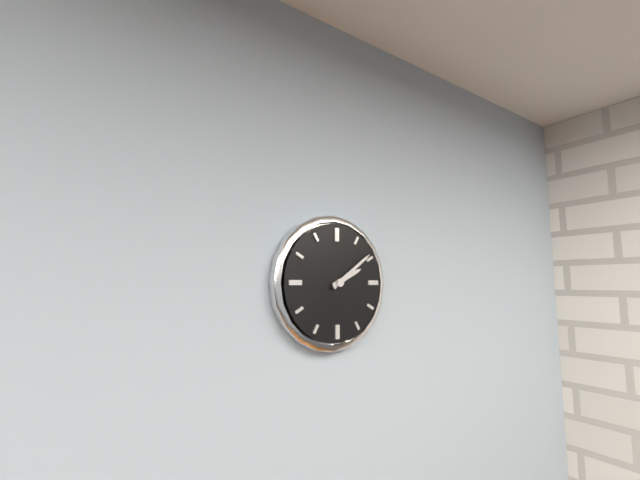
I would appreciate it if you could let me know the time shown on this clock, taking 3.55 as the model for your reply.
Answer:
2.09
